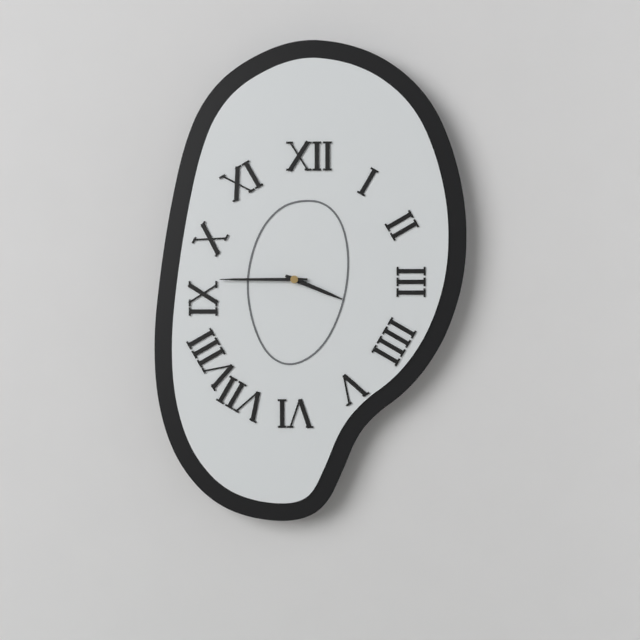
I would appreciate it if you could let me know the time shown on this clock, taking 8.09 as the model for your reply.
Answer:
3.45
